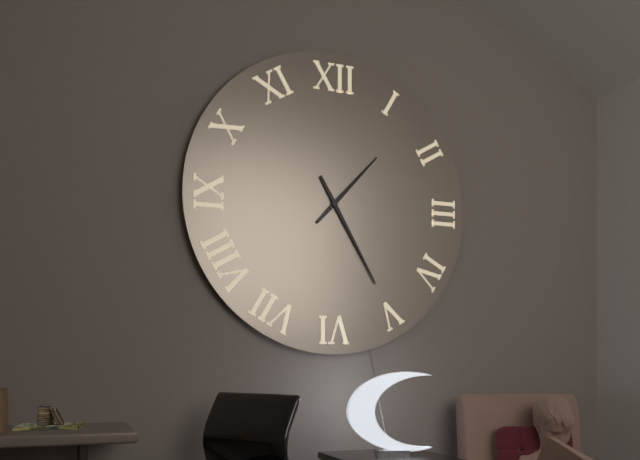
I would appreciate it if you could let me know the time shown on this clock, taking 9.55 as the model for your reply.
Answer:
1.25
